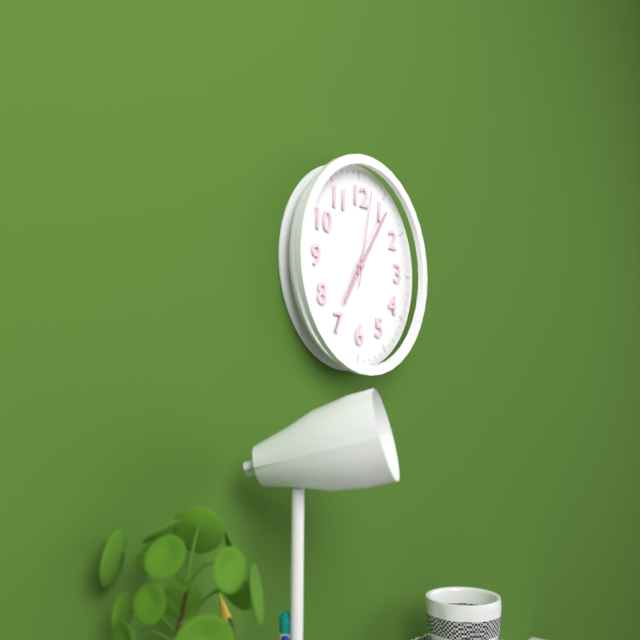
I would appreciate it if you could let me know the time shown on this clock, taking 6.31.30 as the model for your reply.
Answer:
7.06.02
